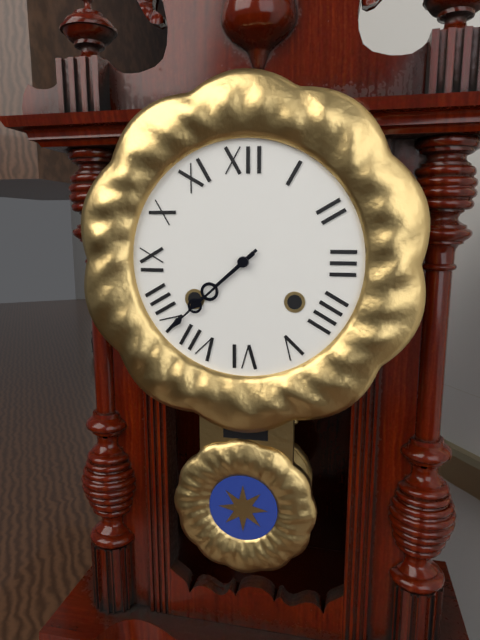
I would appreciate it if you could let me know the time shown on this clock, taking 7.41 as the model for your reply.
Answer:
7.38
